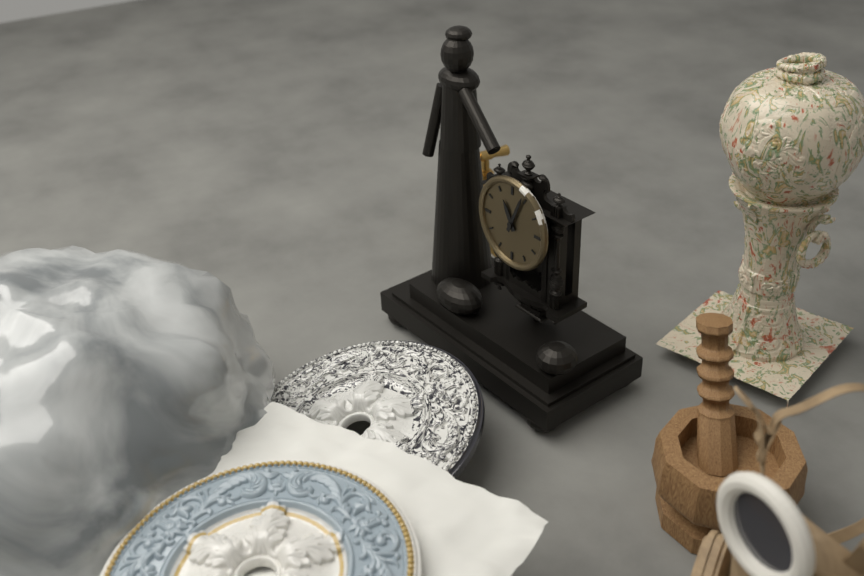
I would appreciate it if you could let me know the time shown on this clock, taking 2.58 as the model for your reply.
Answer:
11.04
